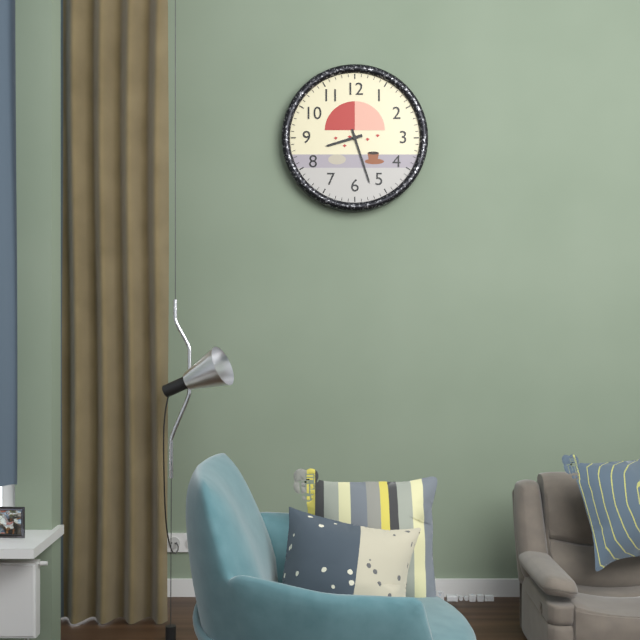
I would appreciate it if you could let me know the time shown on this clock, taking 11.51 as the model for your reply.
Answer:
8.27
